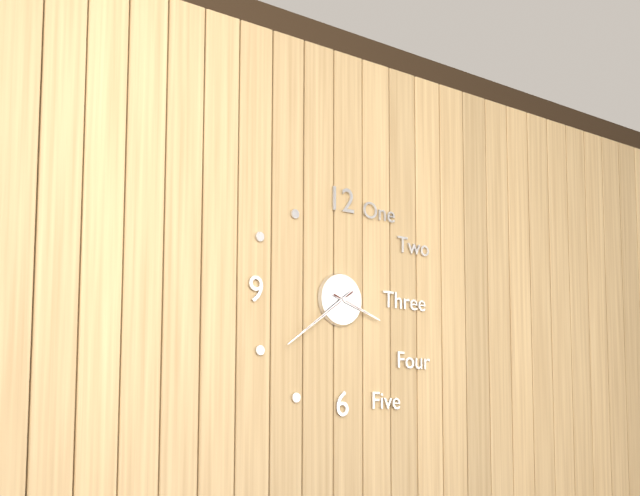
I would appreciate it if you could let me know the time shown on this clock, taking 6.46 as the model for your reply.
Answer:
3.39
